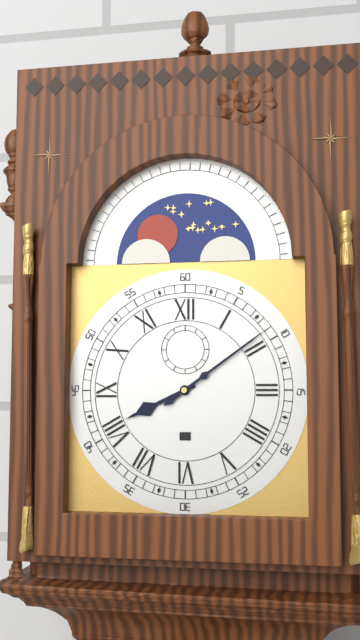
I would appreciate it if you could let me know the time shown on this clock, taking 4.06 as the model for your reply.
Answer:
8.09
